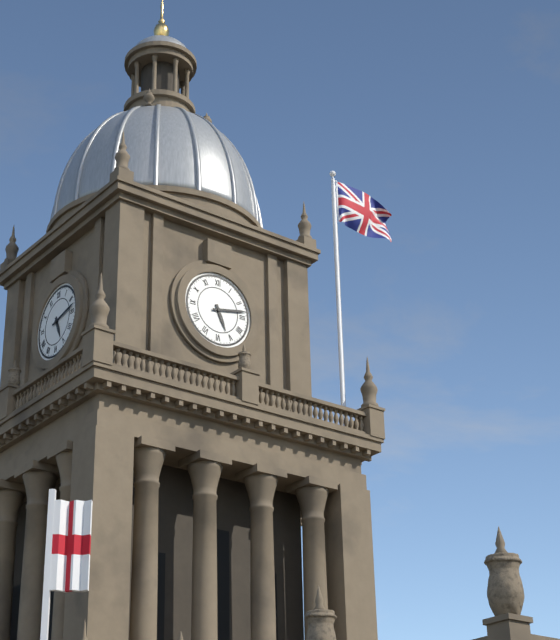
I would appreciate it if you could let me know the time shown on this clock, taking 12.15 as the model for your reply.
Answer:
5.13
